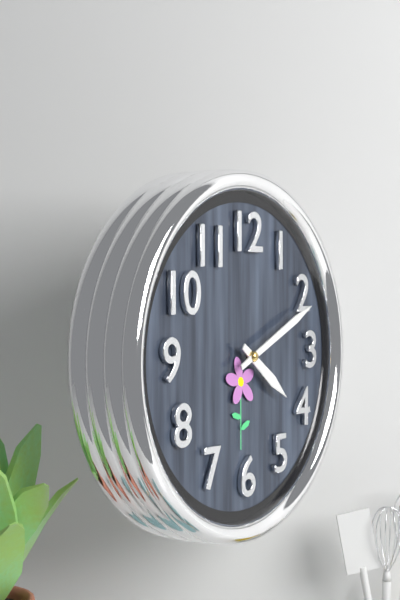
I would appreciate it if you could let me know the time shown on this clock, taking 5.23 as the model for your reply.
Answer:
4.11
